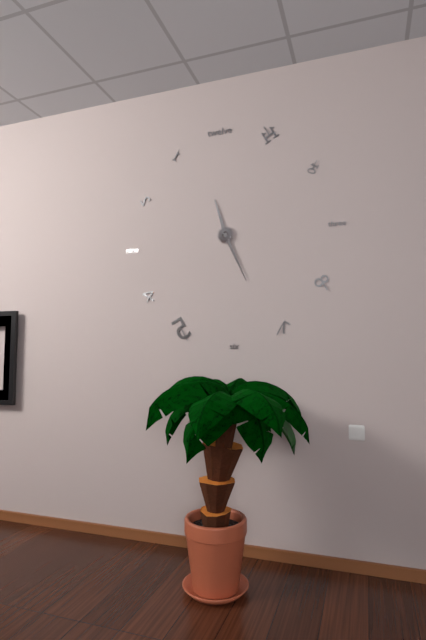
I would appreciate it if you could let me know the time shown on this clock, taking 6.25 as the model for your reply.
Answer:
11.26
